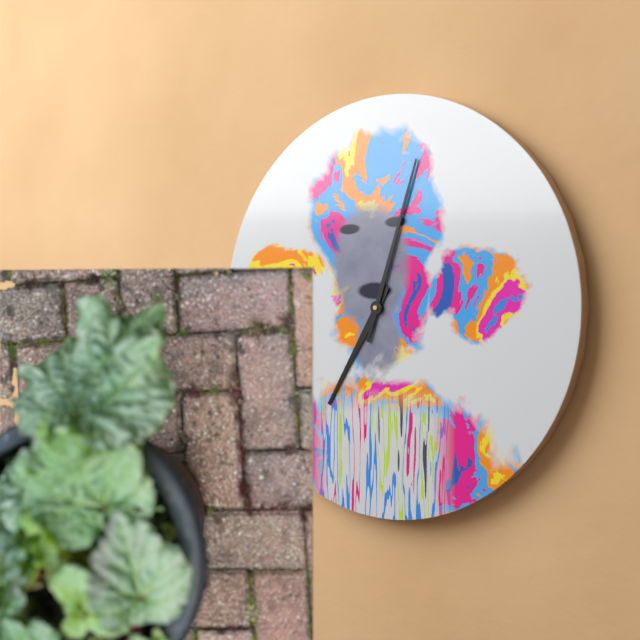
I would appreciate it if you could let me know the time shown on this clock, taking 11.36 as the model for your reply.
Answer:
7.03
